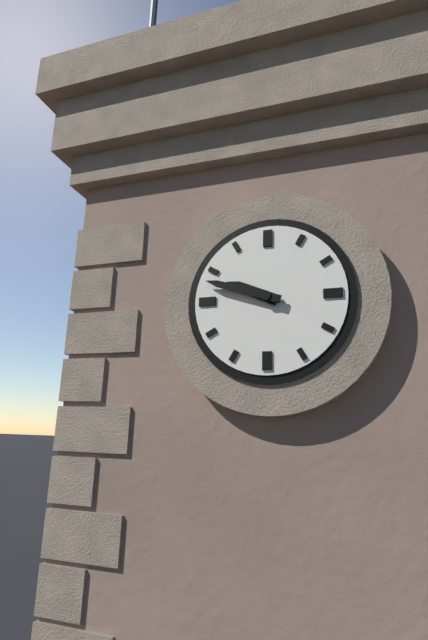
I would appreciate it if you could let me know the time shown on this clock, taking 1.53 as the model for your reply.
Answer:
9.48
